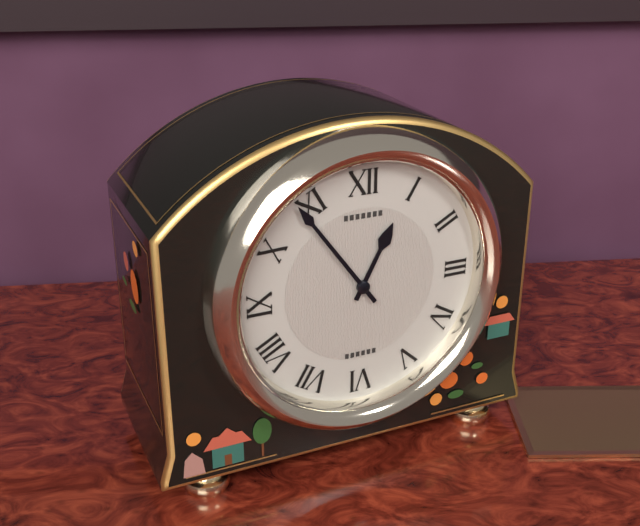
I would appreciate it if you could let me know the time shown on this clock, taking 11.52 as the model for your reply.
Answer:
12.54
